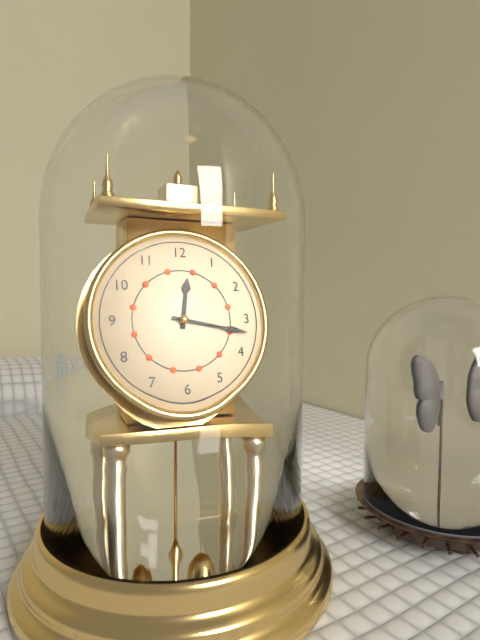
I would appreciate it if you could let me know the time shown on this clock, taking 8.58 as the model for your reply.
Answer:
12.17
